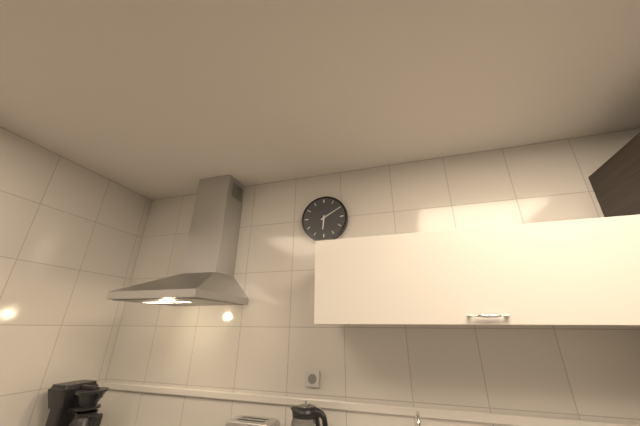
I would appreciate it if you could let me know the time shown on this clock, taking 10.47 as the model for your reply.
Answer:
6.10
